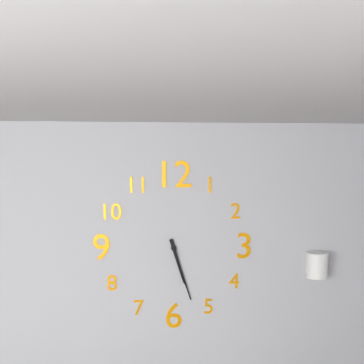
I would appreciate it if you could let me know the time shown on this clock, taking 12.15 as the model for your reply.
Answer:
5.27
